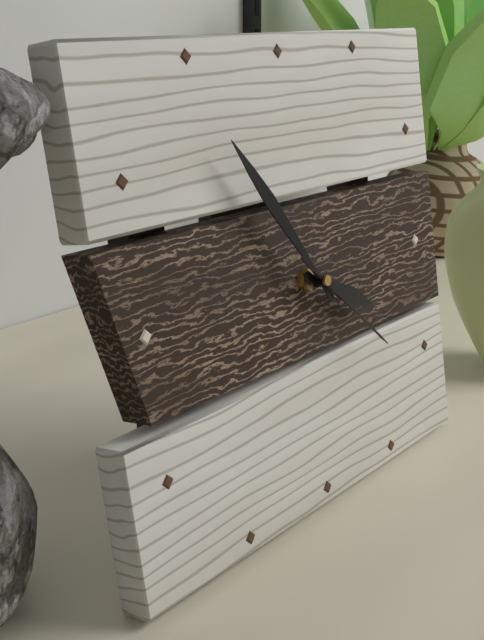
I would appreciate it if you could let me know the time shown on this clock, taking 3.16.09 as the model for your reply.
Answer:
3.54.22
